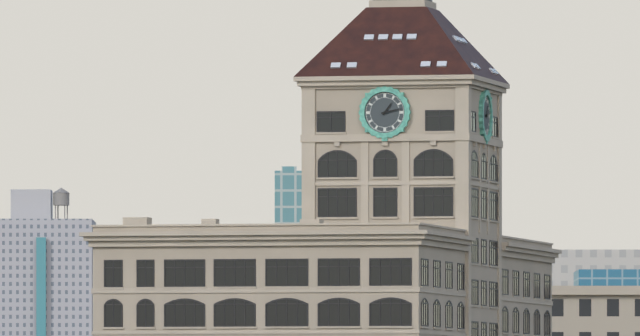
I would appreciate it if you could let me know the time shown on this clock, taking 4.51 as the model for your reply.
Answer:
1.13
